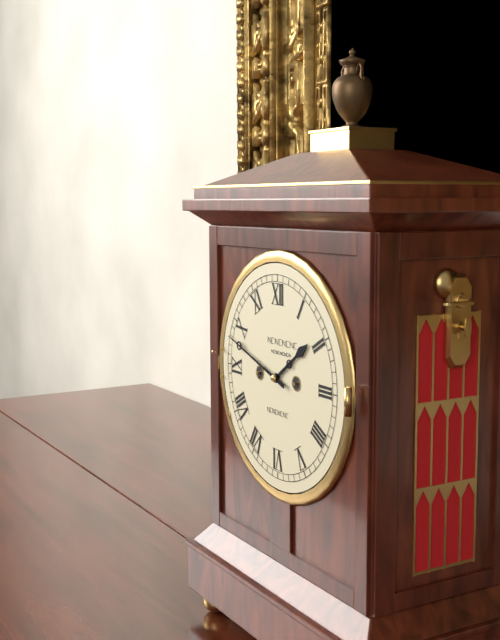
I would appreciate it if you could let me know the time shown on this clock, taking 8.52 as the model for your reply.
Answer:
1.48
